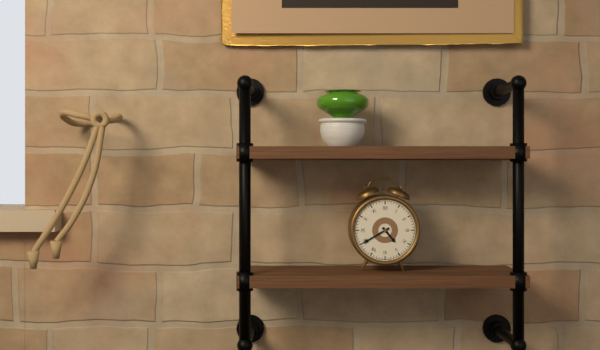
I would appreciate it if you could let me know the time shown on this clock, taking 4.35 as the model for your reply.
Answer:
4.40
